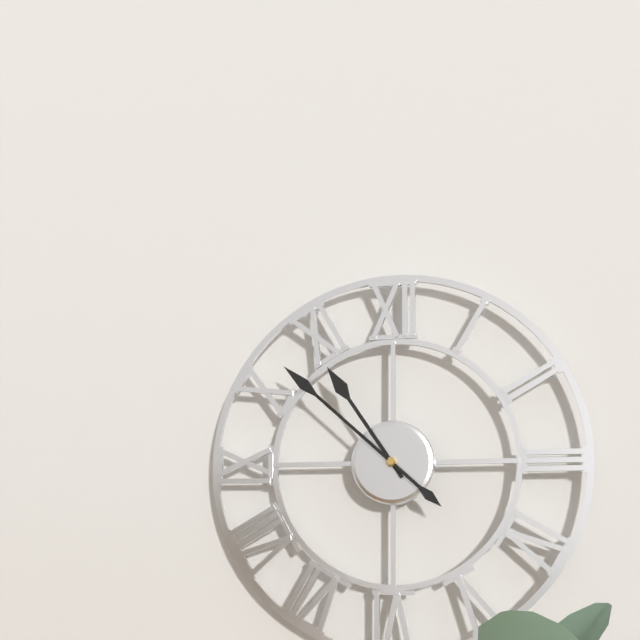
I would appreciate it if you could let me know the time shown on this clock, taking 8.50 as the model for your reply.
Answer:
10.52
